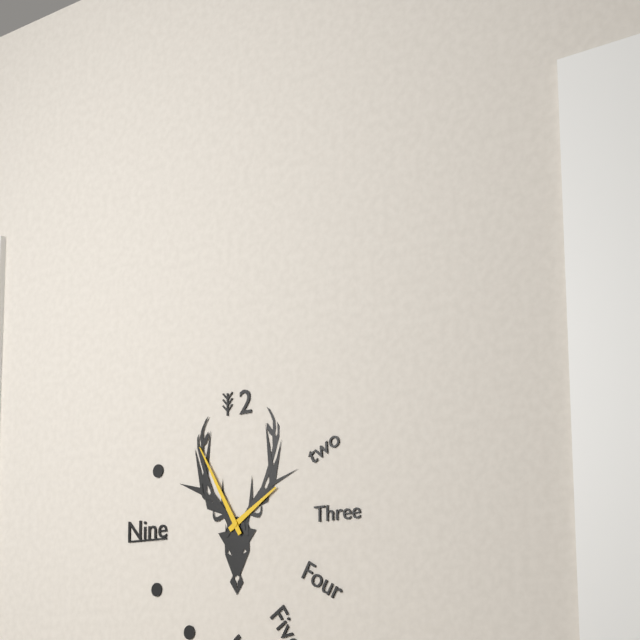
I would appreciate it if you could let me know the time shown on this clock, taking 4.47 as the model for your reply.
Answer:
1.55
